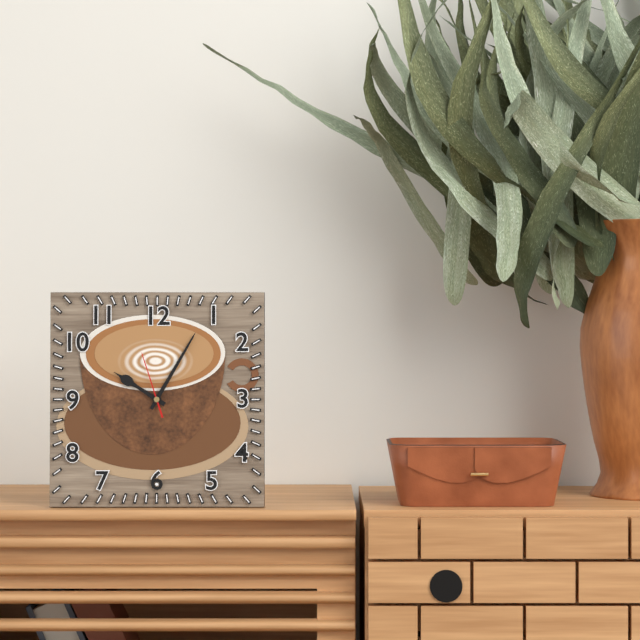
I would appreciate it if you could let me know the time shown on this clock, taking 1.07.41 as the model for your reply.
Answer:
10.05.57
